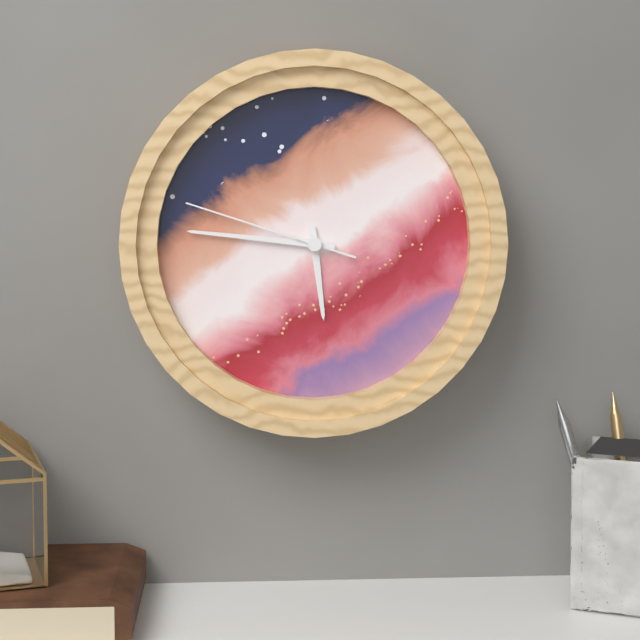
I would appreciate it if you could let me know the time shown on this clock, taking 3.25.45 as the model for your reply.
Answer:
5.46.48
